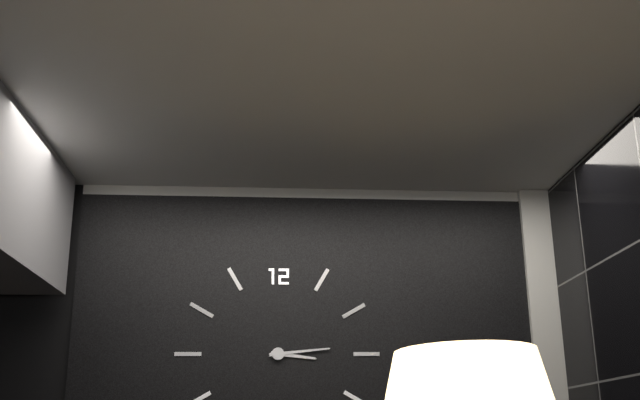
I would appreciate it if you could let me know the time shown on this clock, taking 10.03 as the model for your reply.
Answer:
3.14
